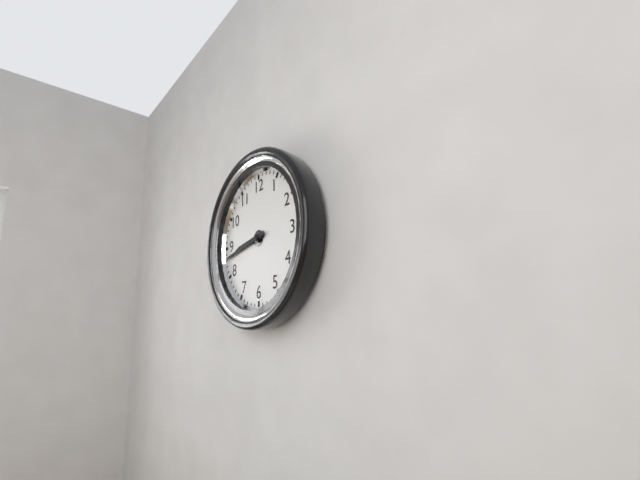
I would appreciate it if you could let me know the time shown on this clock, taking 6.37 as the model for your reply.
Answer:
8.43
